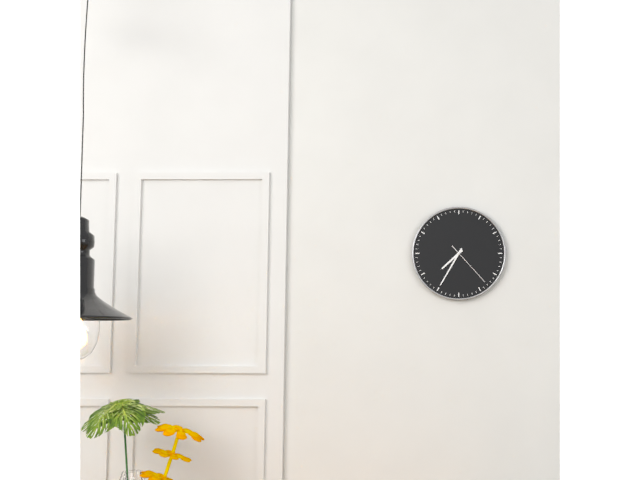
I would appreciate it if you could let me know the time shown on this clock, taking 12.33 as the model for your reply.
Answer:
7.35
